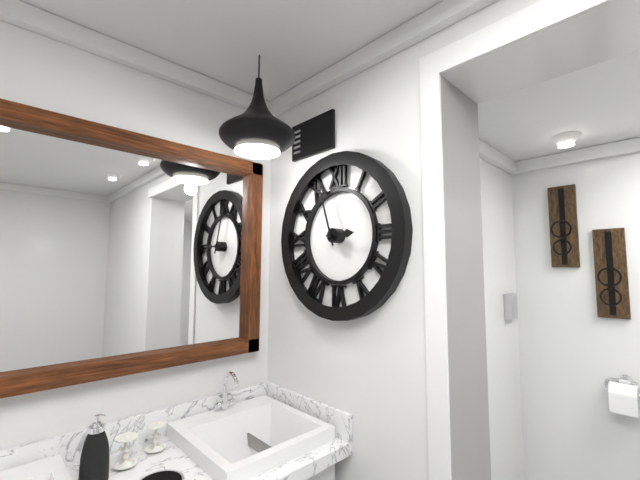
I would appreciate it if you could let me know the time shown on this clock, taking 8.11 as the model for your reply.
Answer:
2.57
